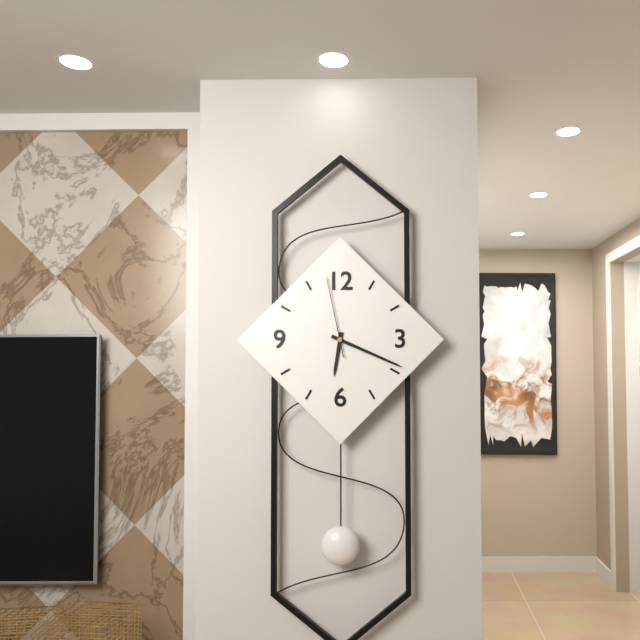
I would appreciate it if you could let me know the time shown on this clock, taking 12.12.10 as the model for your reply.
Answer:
6.19.58
